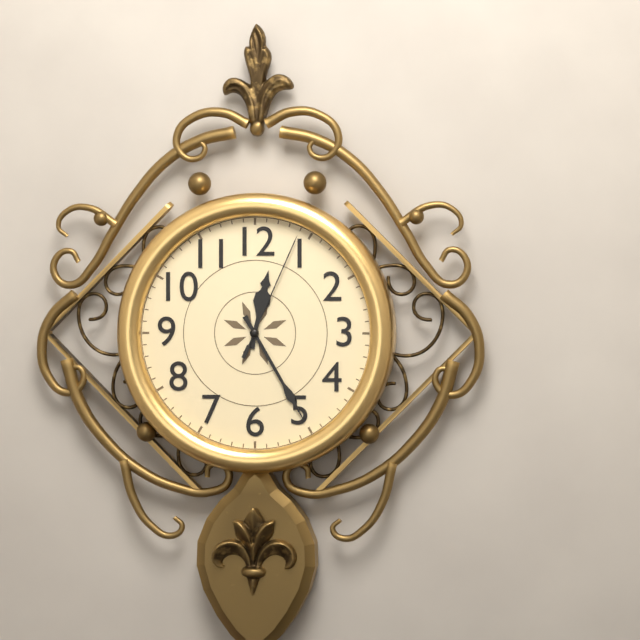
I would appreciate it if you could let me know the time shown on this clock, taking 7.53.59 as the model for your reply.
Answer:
12.25.04
